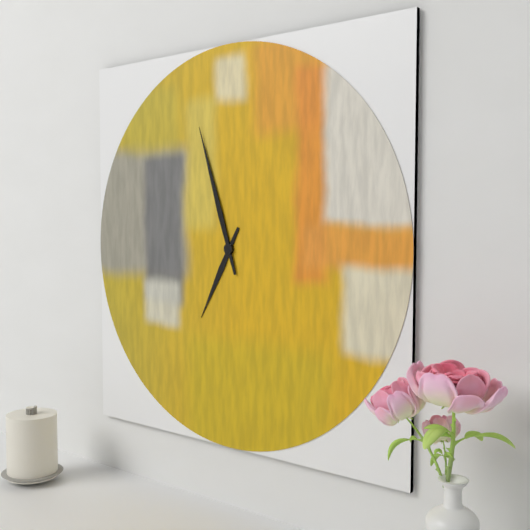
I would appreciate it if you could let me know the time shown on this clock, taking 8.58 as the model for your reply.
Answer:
6.57
